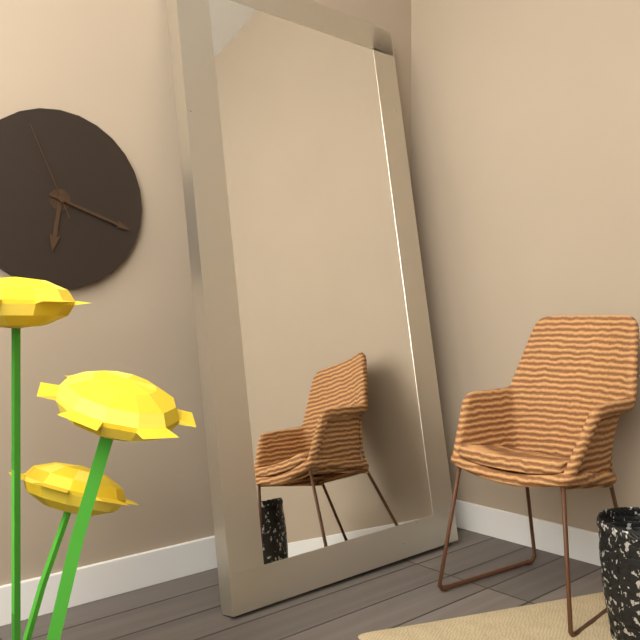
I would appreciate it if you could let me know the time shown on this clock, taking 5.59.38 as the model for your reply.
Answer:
6.18.56
